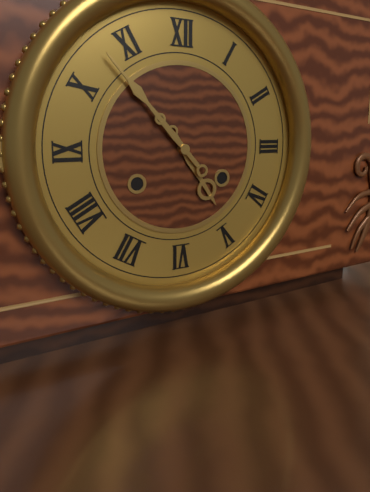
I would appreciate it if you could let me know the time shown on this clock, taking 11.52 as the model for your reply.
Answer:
4.53
